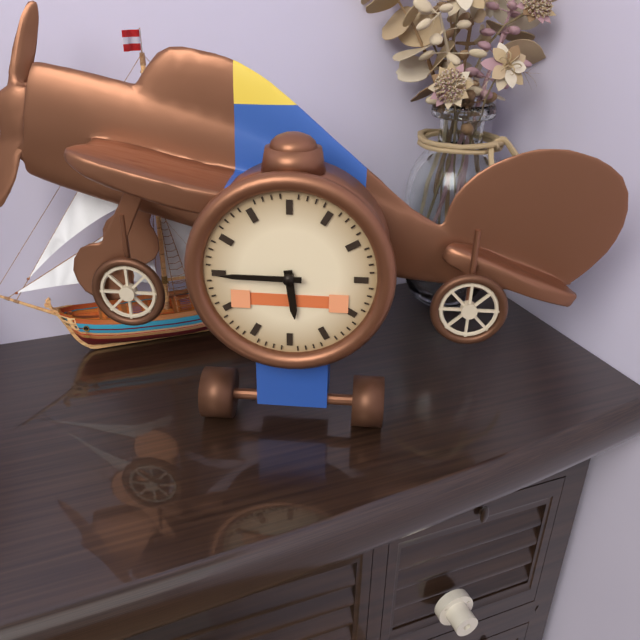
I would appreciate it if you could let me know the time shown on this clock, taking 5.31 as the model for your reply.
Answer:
5.45
